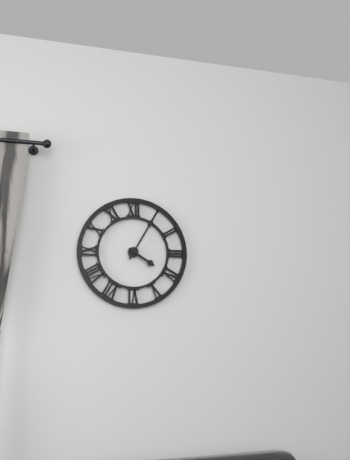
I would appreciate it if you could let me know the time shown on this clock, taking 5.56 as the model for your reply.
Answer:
4.05
